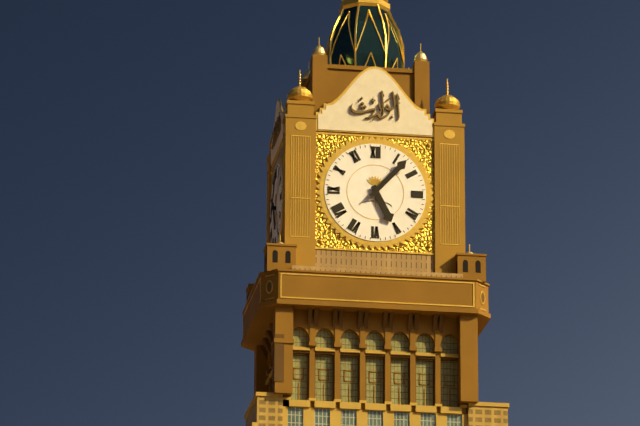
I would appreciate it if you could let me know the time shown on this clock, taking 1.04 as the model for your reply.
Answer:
5.07
